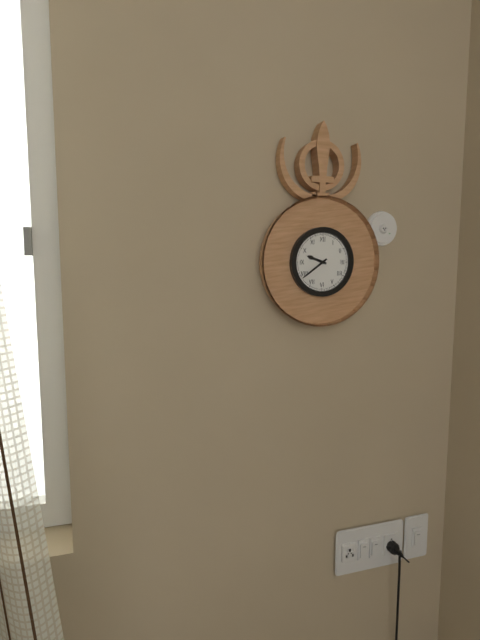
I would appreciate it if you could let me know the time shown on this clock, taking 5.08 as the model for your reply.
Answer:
9.39
